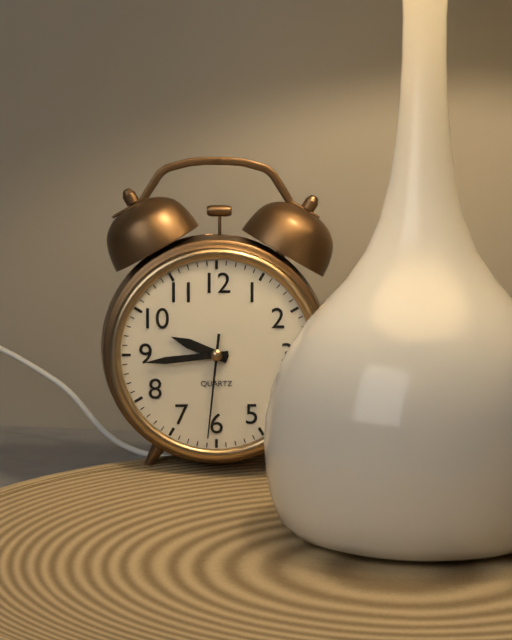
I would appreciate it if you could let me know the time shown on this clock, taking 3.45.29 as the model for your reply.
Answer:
9.44.31
